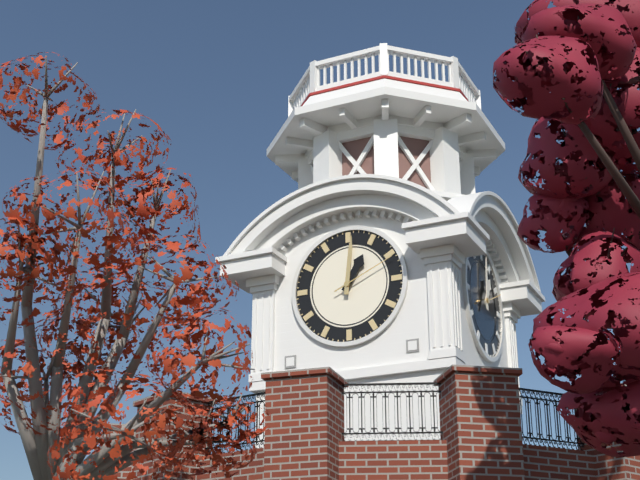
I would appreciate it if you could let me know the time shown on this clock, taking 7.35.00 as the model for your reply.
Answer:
1.01.11
